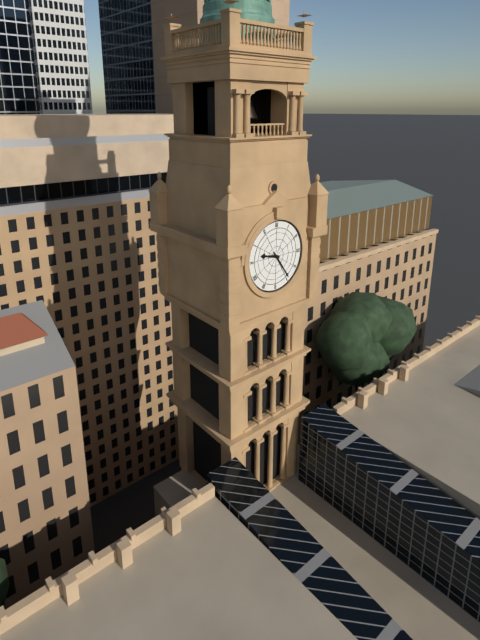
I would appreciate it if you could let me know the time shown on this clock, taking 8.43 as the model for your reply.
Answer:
9.24
